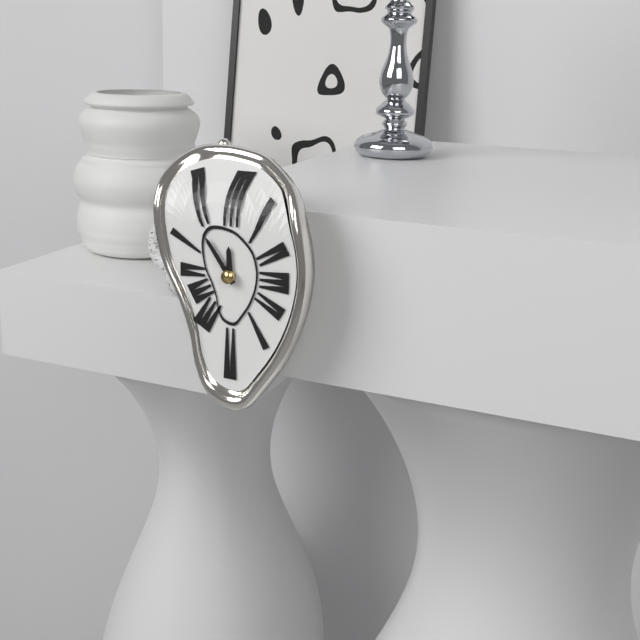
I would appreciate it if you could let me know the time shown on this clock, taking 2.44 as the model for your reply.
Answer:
11.54
